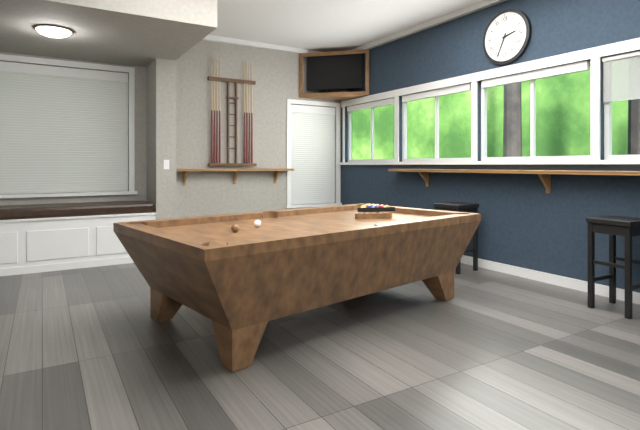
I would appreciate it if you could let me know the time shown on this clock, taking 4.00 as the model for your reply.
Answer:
2.34
